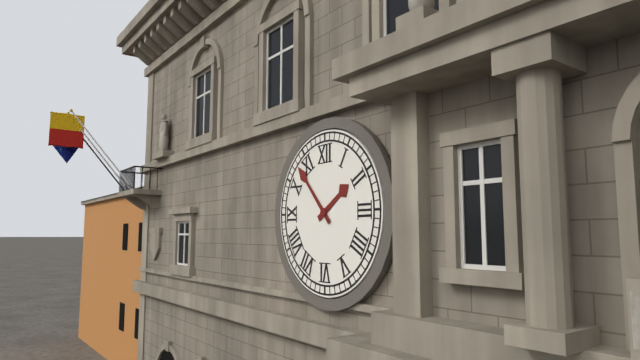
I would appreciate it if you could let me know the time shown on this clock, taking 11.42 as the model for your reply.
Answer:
1.53
